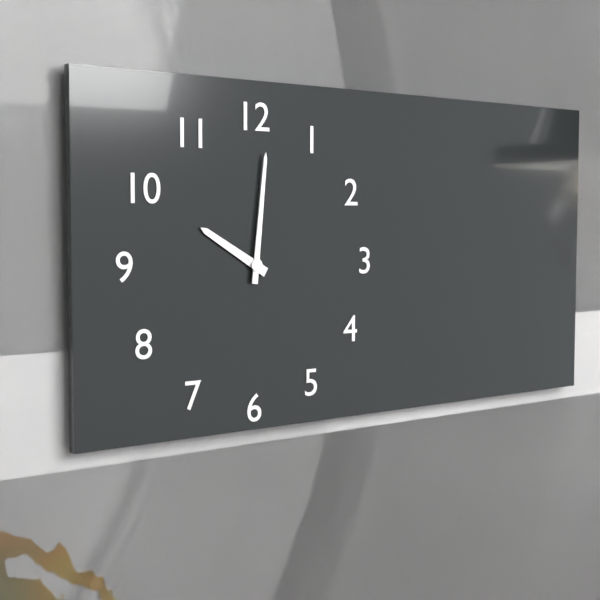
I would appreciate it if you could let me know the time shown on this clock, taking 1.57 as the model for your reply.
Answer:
10.01
